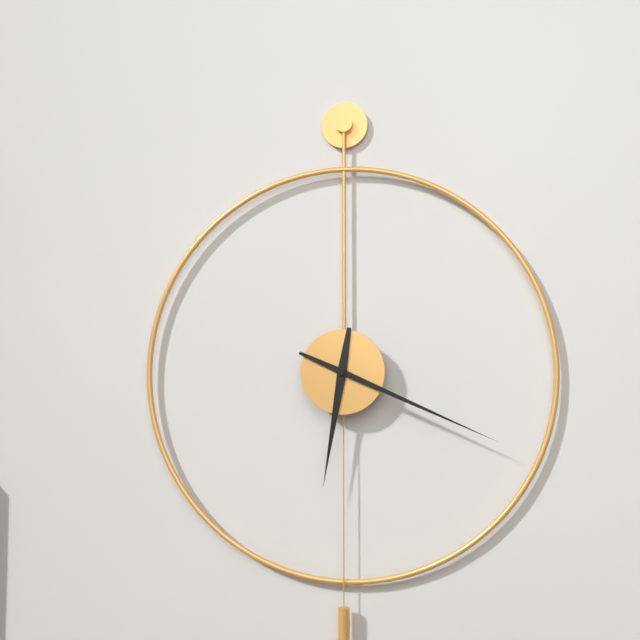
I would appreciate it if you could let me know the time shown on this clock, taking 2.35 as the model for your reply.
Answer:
6.19
